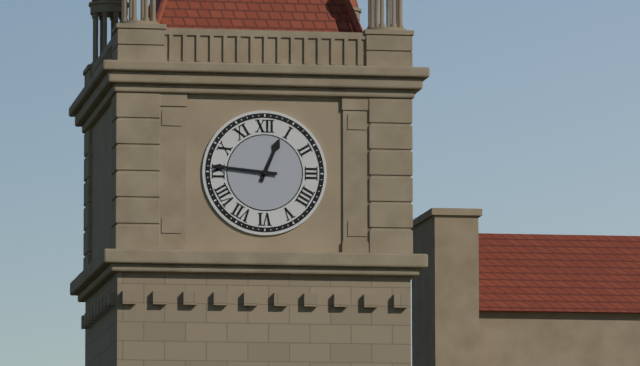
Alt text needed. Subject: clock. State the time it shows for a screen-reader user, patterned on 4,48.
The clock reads 12,46
